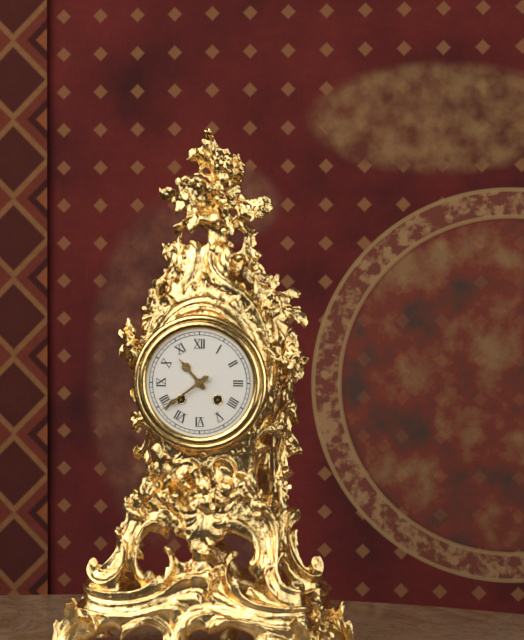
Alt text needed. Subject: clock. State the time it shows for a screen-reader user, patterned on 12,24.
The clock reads 10,39
